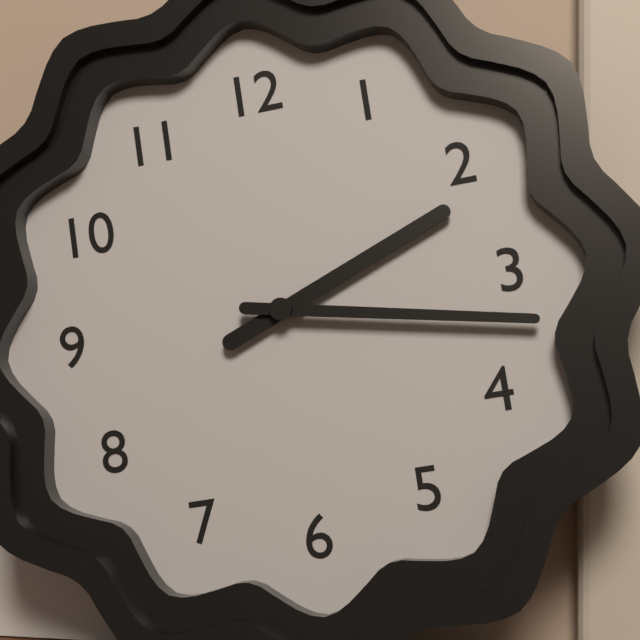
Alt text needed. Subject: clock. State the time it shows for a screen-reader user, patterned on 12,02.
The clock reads 2,17
